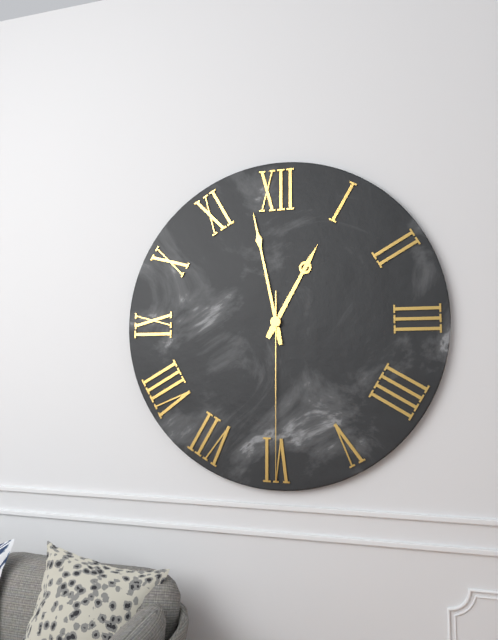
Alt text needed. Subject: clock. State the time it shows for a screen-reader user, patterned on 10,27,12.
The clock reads 12,58,30
